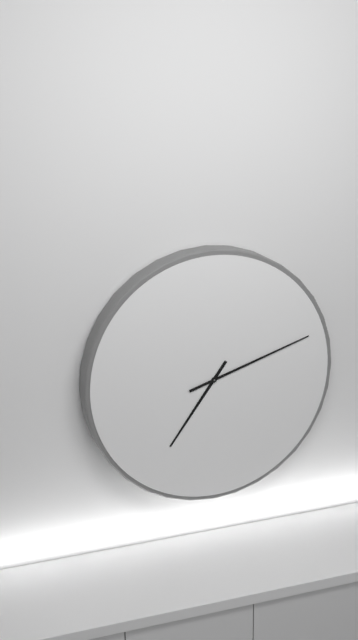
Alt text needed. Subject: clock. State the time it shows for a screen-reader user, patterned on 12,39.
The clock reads 7,12
